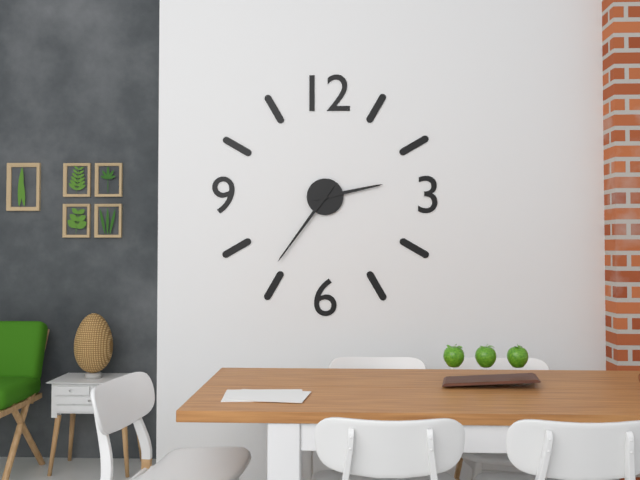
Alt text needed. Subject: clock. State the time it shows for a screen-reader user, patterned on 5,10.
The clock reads 2,36
